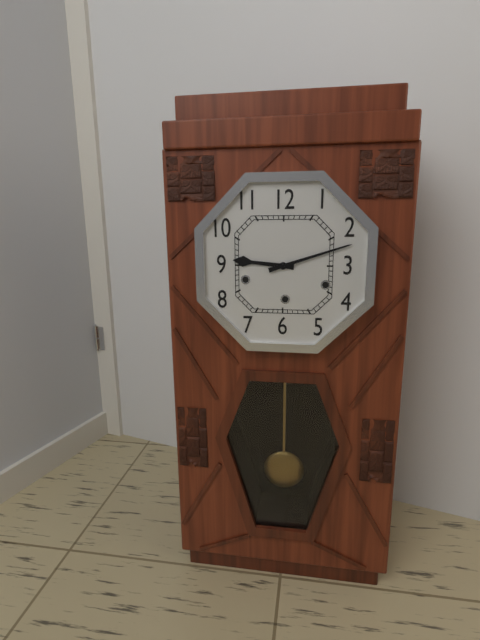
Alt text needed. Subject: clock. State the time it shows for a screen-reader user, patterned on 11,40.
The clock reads 9,12
